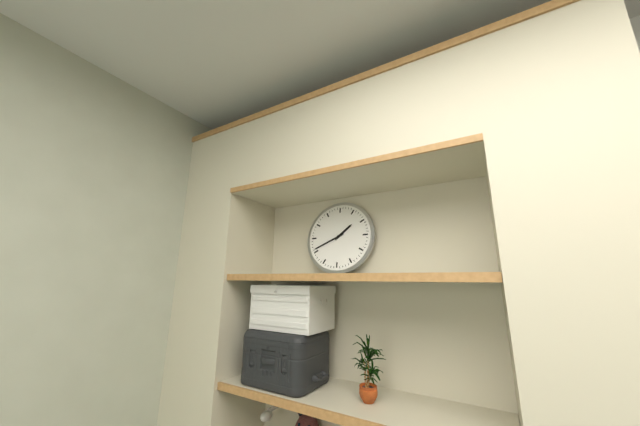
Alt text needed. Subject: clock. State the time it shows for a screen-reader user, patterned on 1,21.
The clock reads 1,41
